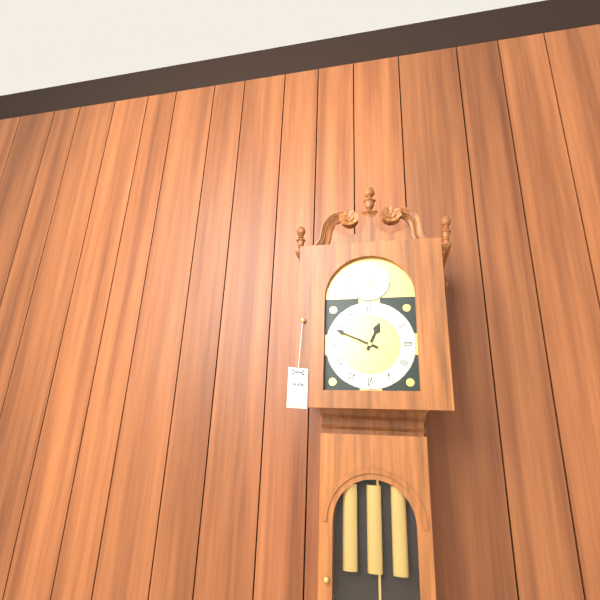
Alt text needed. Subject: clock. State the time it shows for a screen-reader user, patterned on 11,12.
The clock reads 12,49
